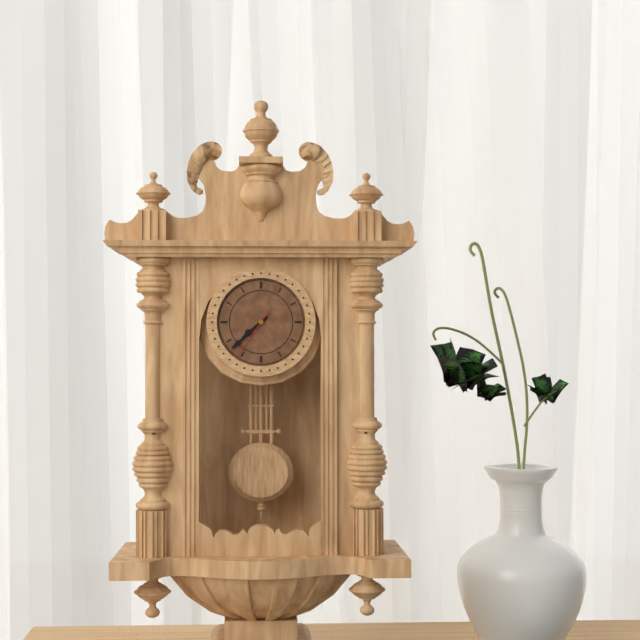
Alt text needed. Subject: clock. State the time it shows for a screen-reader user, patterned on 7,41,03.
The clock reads 7,38,36
